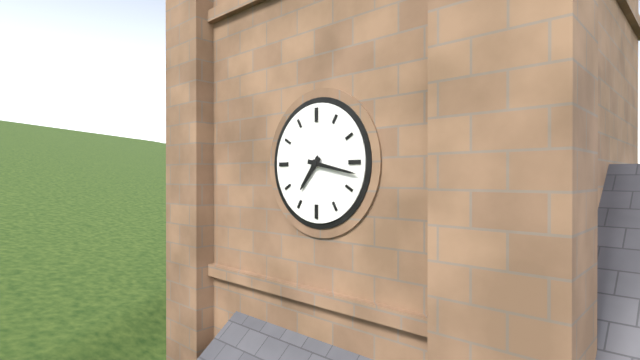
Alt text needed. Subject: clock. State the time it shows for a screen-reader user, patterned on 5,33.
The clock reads 7,17
